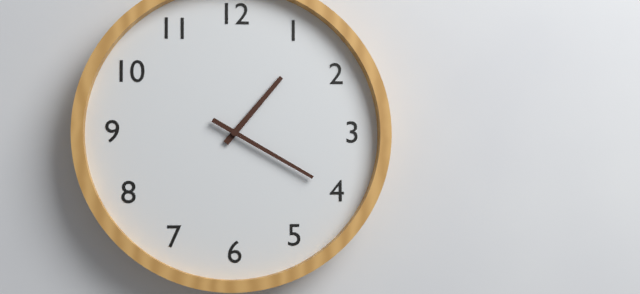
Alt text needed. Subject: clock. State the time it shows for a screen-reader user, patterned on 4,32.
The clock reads 1,20
